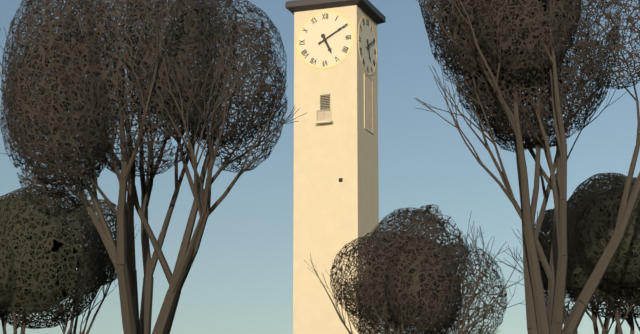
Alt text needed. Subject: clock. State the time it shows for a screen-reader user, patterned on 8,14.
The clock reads 5,10
